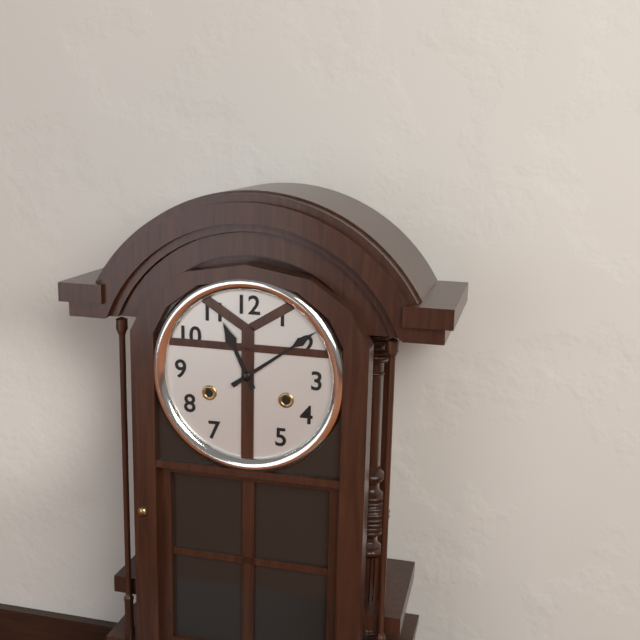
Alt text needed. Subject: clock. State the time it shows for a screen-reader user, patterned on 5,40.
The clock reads 11,09
